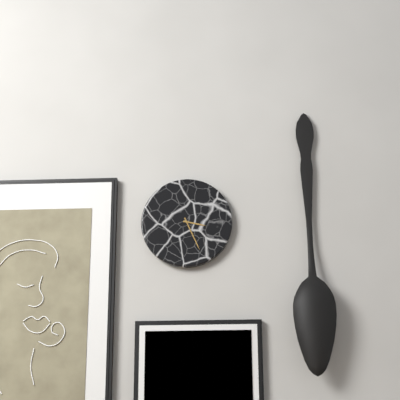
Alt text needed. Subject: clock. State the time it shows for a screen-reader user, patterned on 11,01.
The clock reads 3,26
